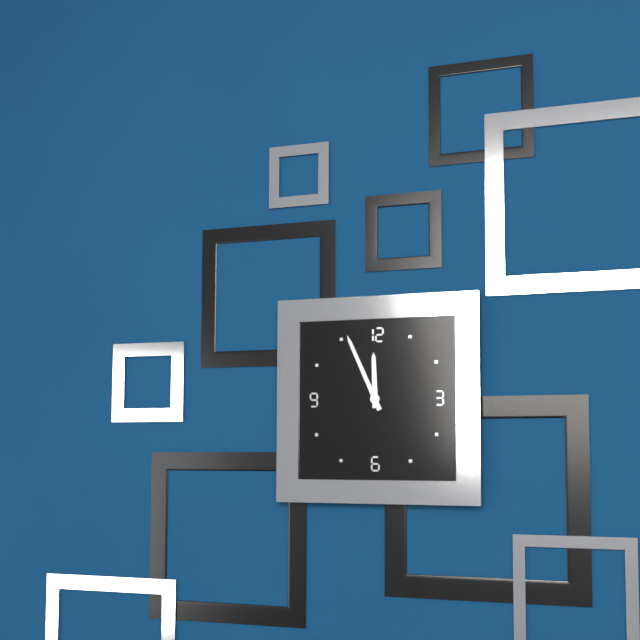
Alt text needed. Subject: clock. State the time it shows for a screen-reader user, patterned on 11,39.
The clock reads 11,56
